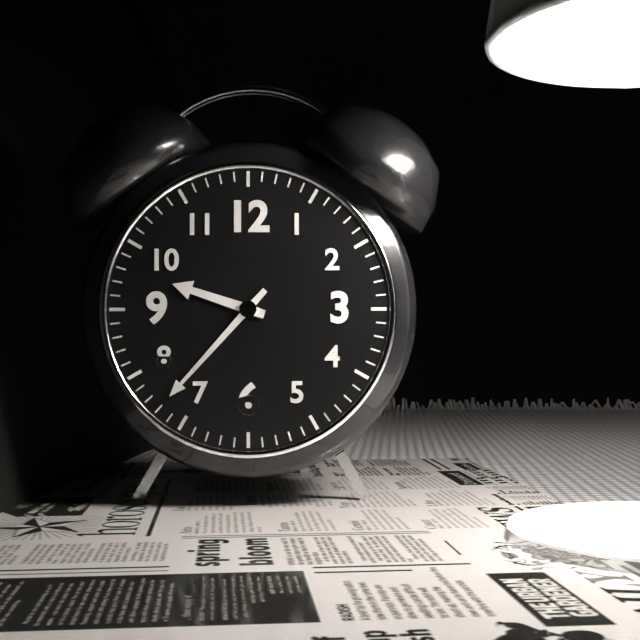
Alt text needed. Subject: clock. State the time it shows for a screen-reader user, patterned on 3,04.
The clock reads 9,37
